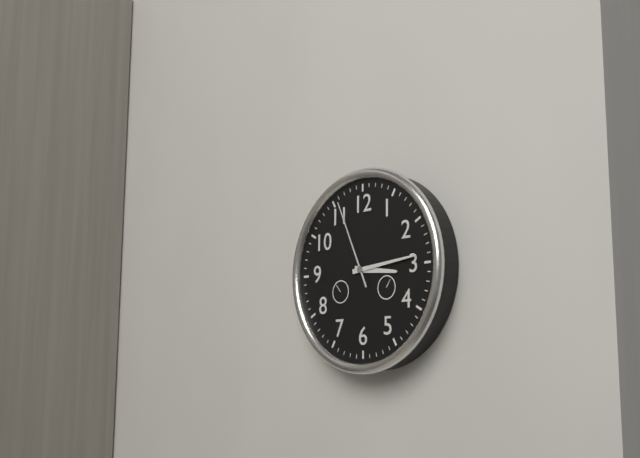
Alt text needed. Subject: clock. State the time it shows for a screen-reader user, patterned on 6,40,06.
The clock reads 3,14,56
